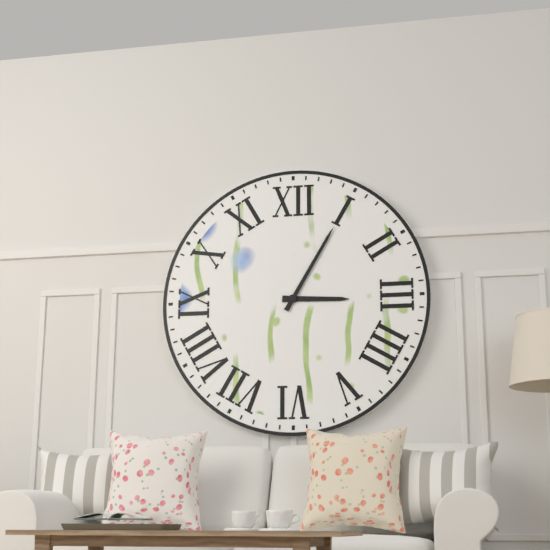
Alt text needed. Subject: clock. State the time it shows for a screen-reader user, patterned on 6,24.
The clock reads 3,05
